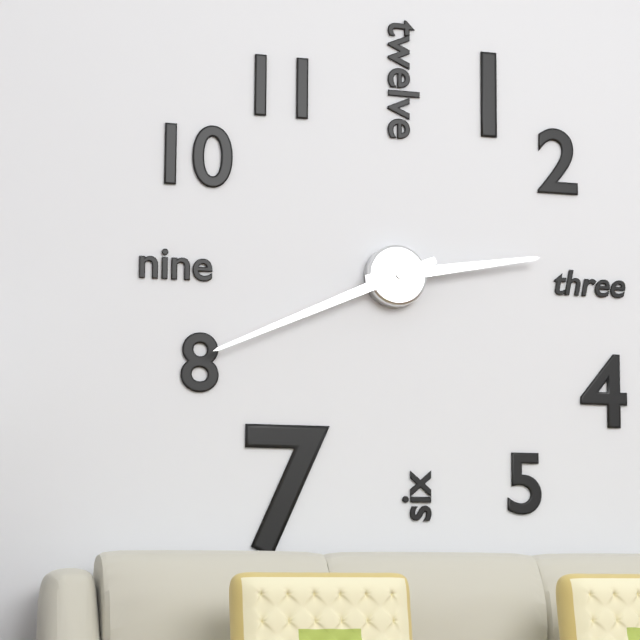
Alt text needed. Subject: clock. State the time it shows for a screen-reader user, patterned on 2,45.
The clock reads 2,41
